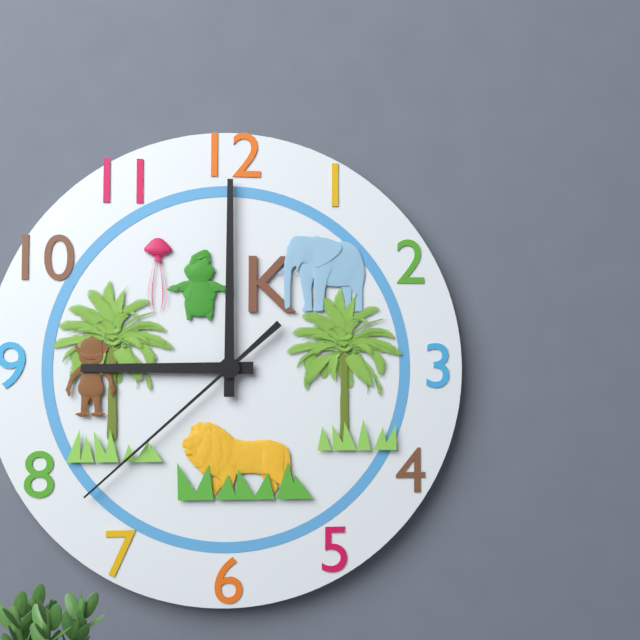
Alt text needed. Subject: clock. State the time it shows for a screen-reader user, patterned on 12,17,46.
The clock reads 9,00,38
